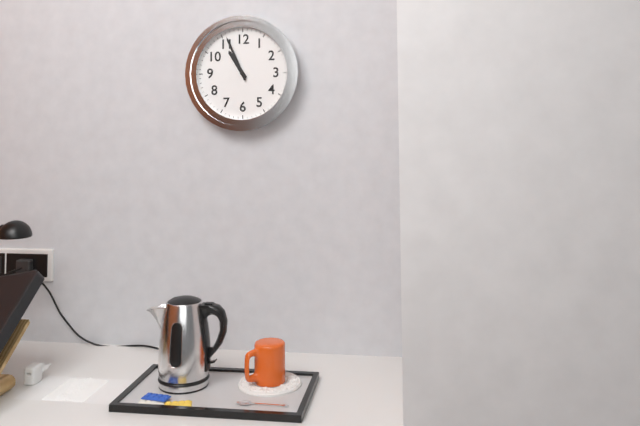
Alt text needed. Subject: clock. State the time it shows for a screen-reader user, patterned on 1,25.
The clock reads 10,56
